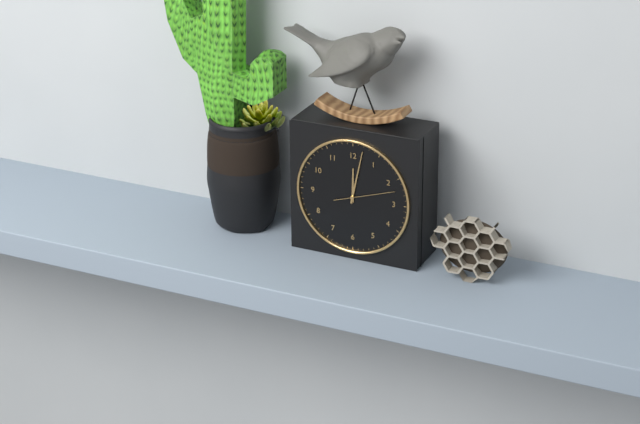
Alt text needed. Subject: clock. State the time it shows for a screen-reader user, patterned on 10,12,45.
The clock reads 12,02,12
